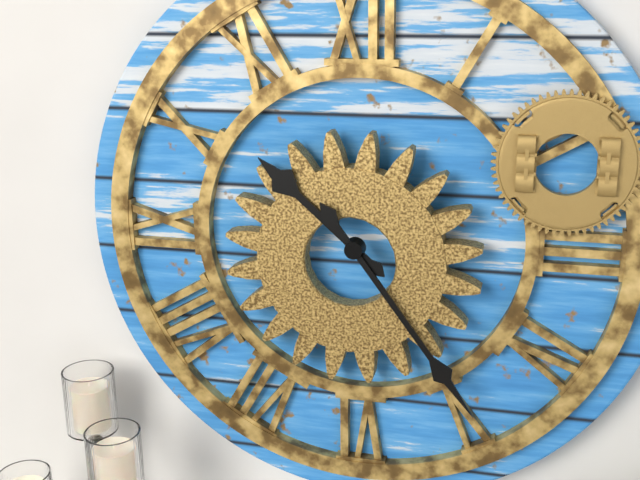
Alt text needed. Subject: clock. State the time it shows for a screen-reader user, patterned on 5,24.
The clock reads 10,24
